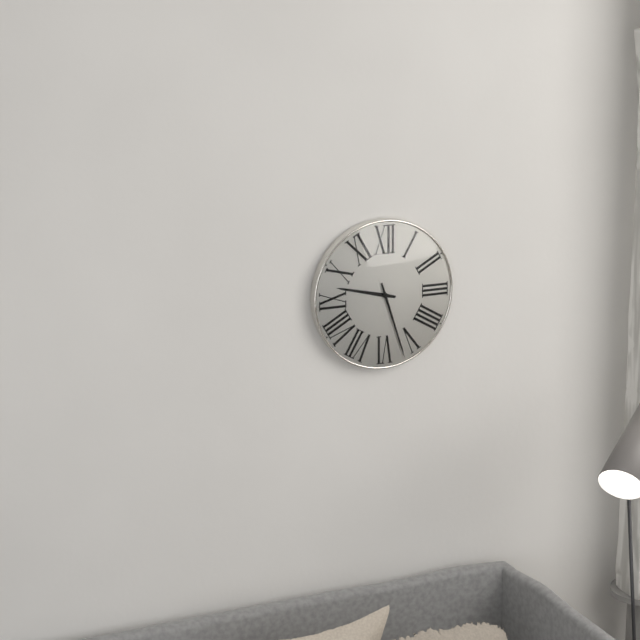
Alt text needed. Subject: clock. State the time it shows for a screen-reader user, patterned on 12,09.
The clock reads 9,27
